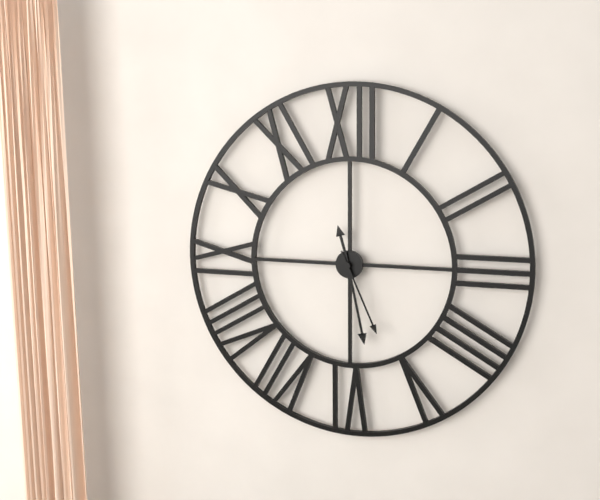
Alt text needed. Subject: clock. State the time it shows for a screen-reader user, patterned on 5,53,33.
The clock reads 11,28,26
